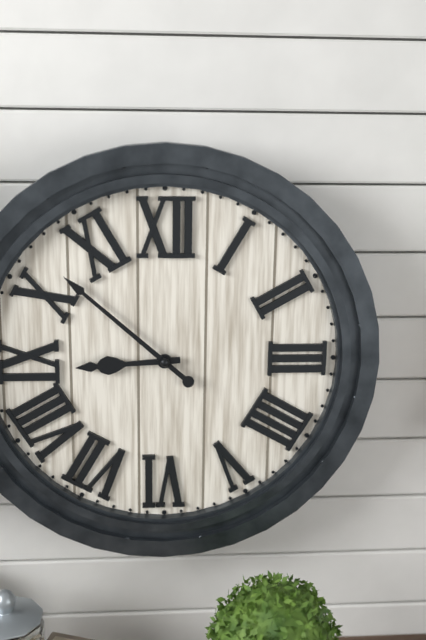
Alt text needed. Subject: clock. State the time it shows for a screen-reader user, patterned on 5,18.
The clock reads 8,52
